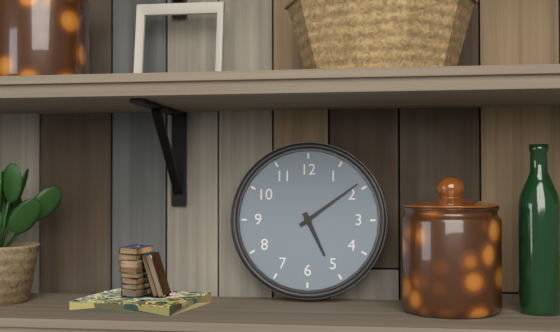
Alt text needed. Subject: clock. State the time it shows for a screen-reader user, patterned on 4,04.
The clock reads 5,09
